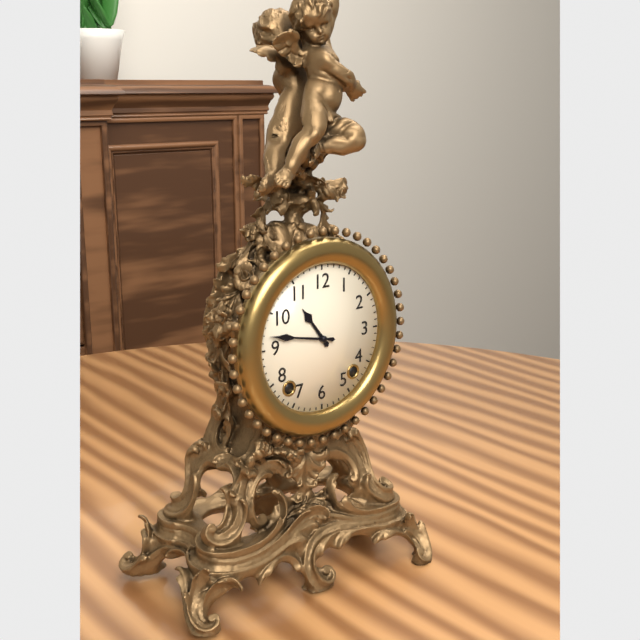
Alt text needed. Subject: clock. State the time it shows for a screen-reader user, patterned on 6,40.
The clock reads 10,47
